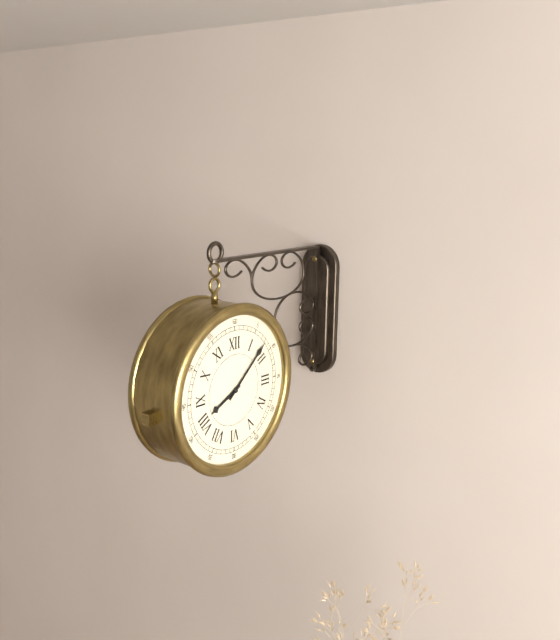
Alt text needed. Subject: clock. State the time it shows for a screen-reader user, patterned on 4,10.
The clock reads 8,08
